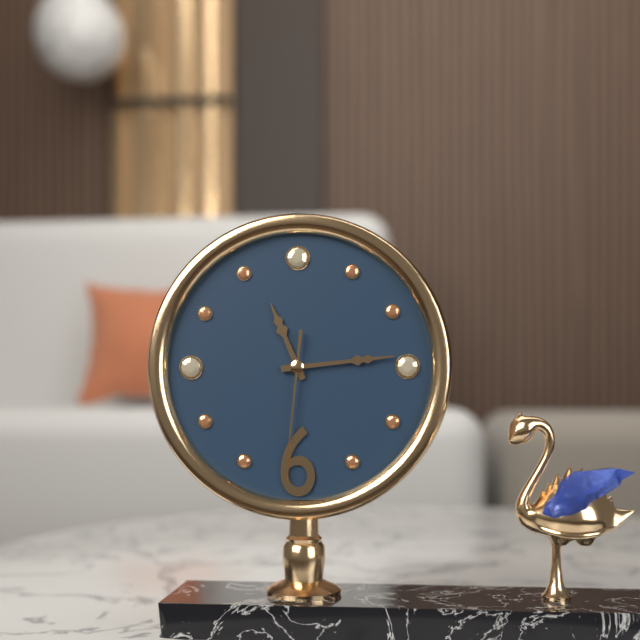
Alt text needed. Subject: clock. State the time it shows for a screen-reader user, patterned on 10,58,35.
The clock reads 11,14,31
